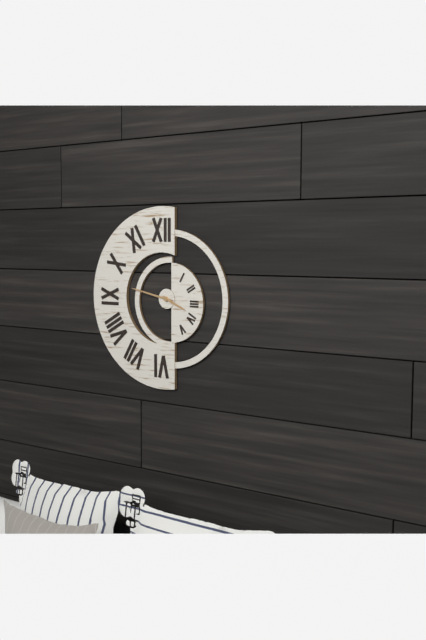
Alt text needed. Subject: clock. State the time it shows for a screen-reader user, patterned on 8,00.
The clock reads 3,47
